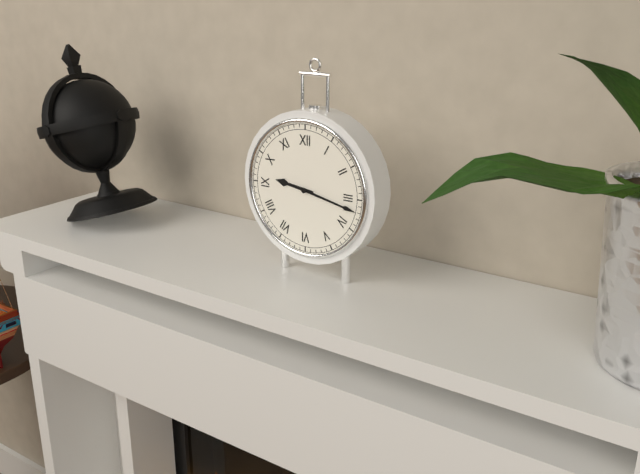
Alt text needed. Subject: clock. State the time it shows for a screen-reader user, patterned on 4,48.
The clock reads 9,17
